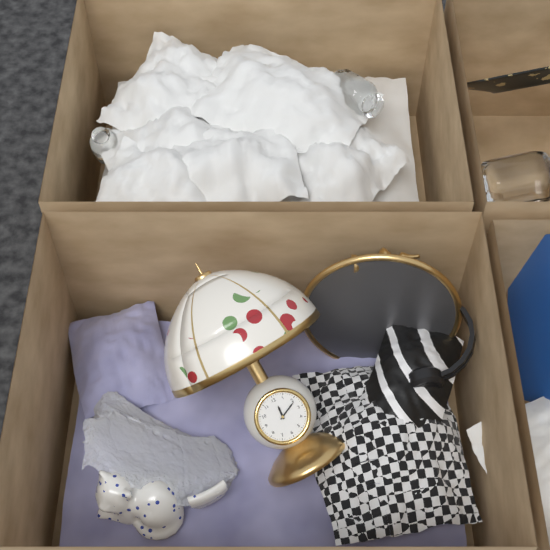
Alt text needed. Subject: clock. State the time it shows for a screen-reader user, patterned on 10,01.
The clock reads 12,11
